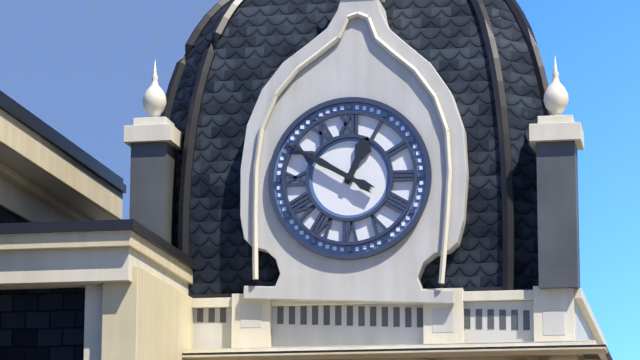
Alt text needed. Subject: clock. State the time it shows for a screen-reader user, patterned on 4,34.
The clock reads 12,50
